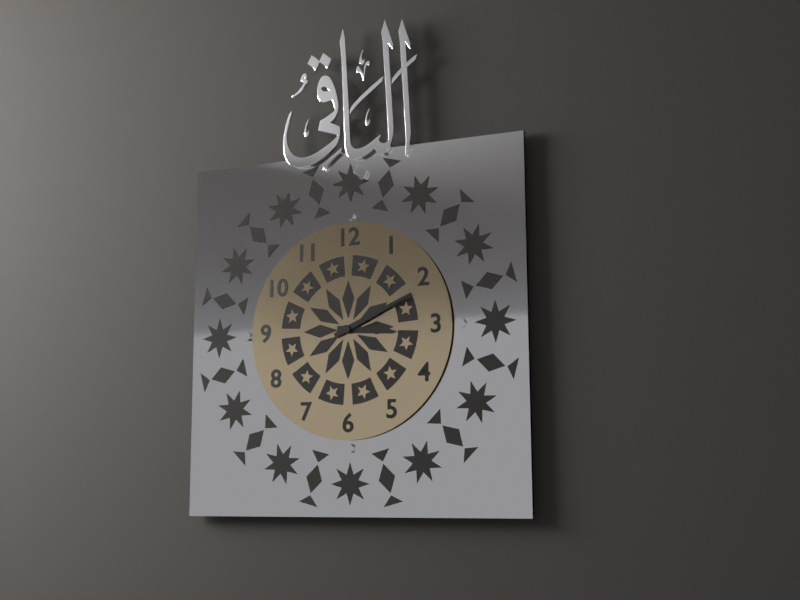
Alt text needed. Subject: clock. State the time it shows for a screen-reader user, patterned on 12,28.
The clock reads 3,11
